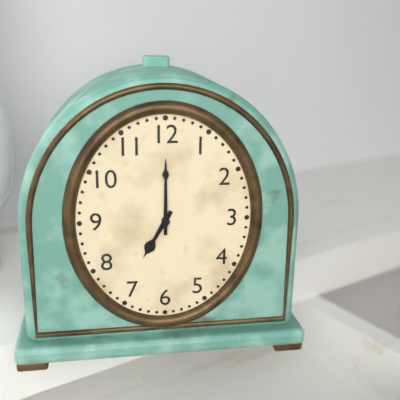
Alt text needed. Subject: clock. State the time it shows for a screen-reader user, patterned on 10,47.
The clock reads 7,00
